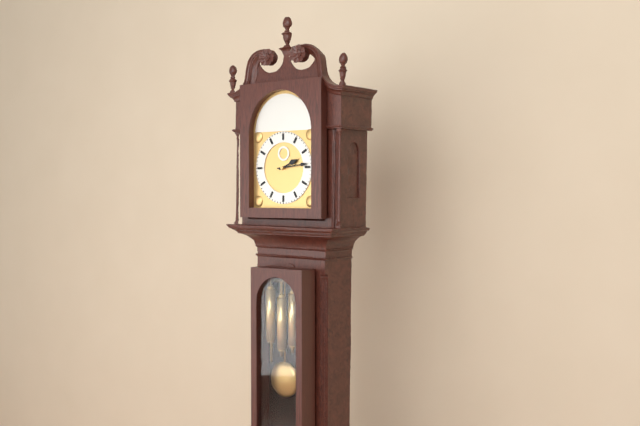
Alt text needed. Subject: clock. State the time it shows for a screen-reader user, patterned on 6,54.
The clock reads 2,14
